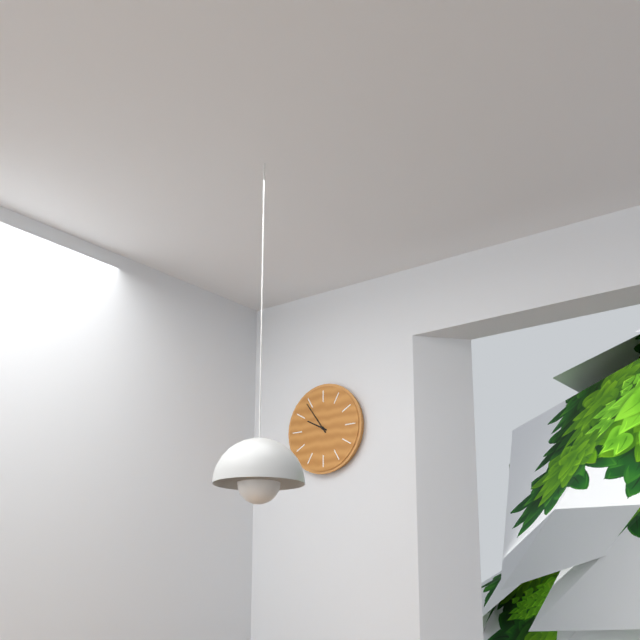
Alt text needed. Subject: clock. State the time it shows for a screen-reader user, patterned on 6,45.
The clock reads 9,54
